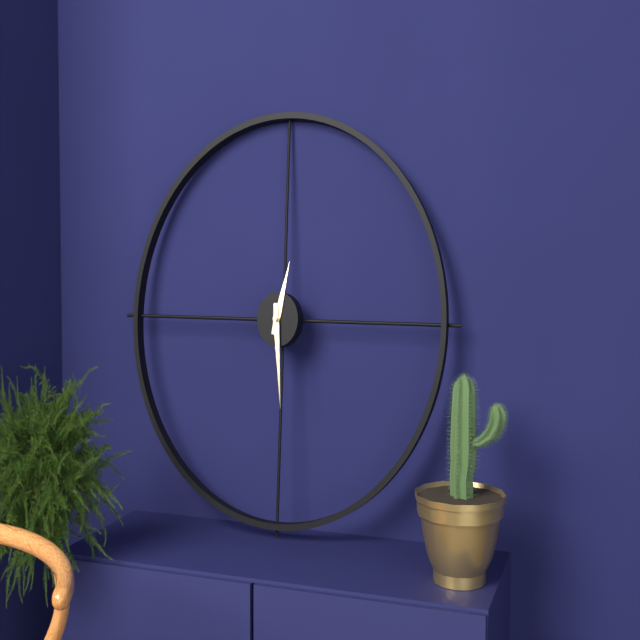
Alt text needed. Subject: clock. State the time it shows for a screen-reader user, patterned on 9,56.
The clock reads 12,29
